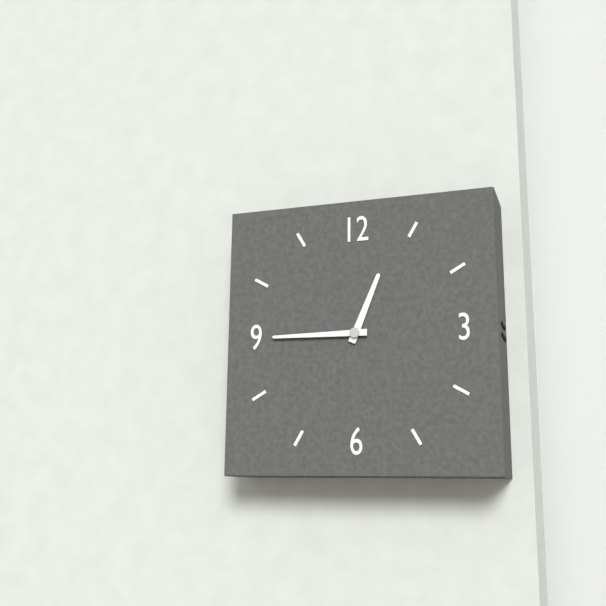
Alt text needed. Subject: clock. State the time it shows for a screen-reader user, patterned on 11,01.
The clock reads 12,45
